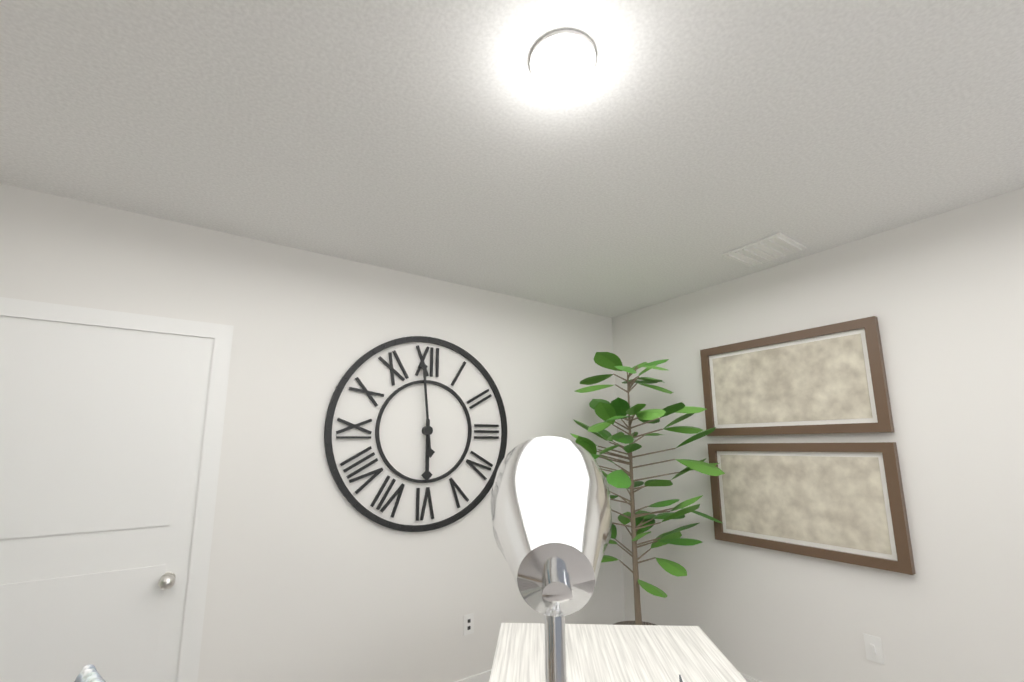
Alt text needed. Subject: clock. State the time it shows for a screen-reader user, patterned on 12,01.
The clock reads 5,59
